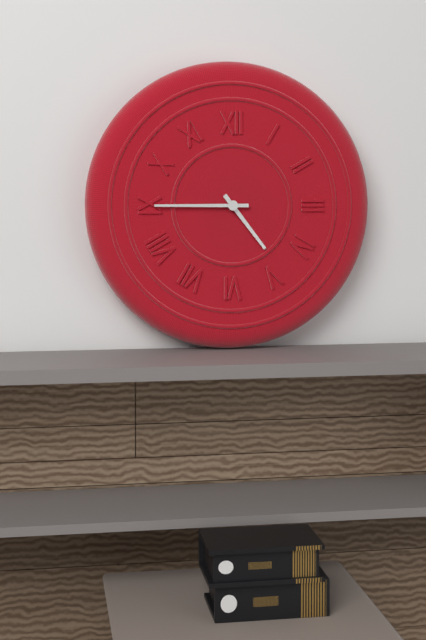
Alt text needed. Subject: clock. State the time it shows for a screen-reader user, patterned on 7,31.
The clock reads 4,45
